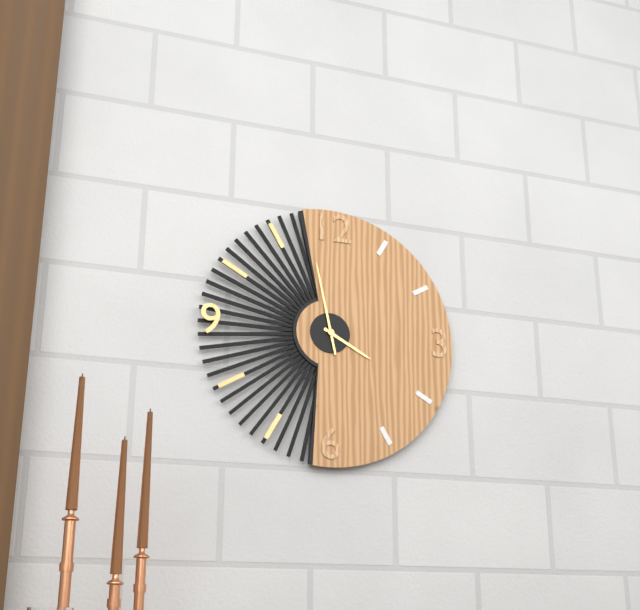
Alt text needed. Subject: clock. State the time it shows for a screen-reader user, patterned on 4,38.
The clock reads 3,58
